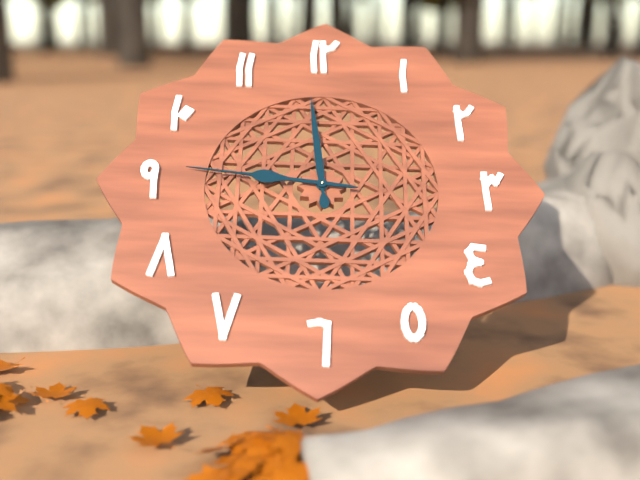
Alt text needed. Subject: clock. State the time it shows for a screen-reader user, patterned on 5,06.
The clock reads 11,46
